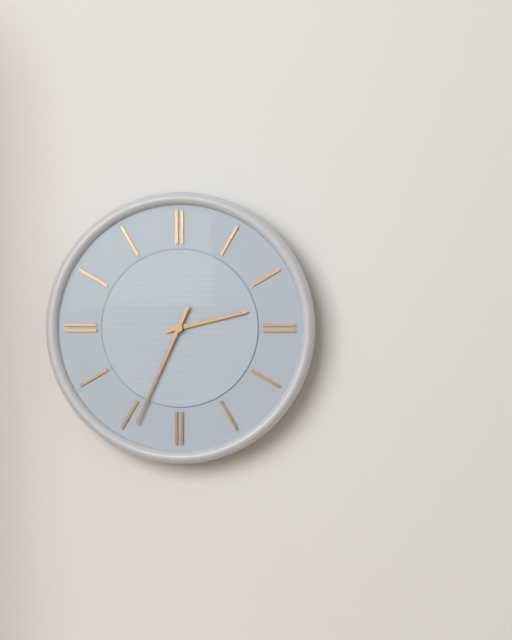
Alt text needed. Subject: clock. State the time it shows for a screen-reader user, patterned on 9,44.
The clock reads 2,34
